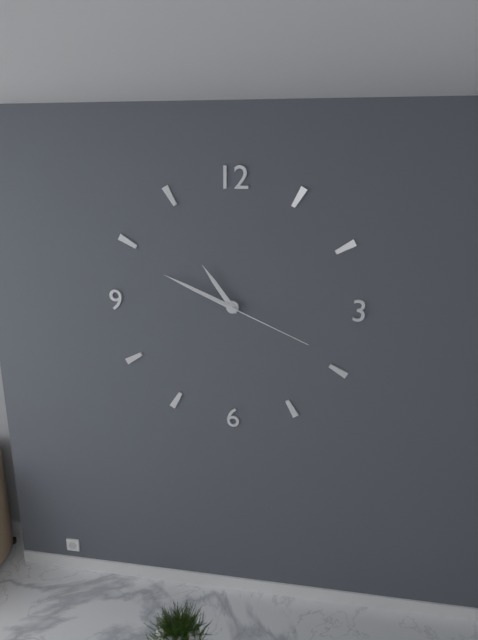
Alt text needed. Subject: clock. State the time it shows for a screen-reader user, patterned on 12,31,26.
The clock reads 10,49,19
